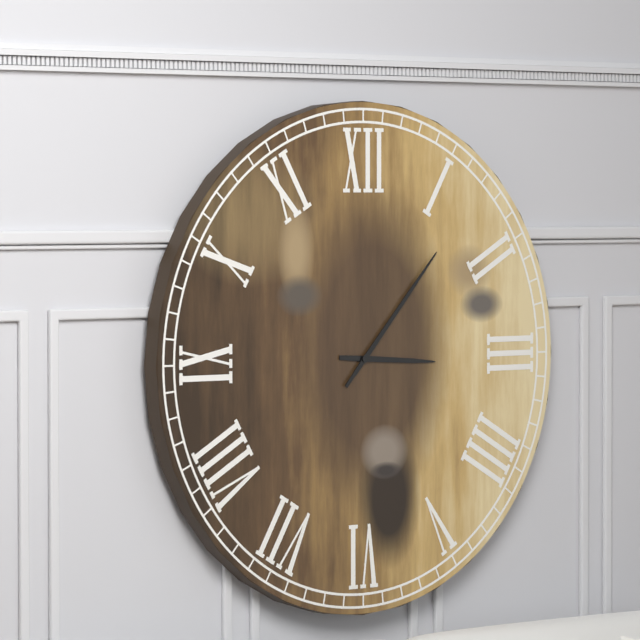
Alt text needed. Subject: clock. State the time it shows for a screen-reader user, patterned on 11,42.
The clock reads 3,07
